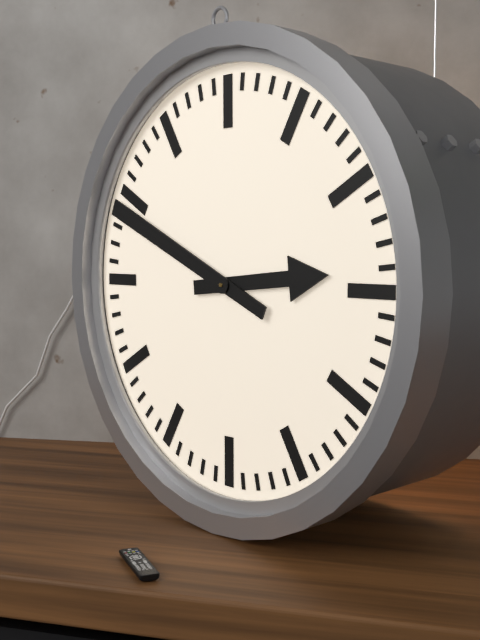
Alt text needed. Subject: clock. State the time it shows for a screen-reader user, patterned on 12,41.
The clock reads 2,49
